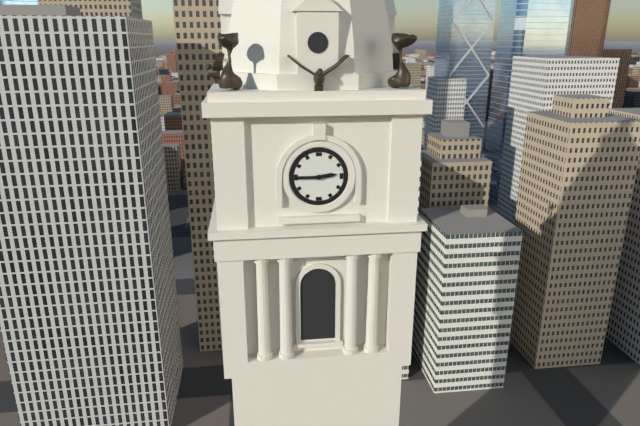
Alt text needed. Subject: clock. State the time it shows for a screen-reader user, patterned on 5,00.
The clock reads 2,45
